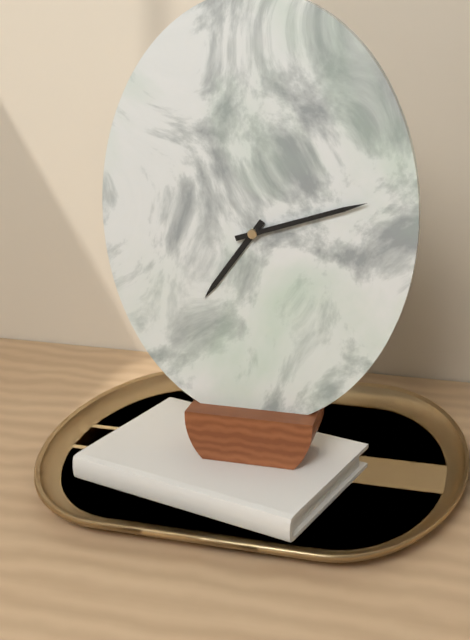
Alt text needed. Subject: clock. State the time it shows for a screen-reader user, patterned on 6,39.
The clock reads 7,12
